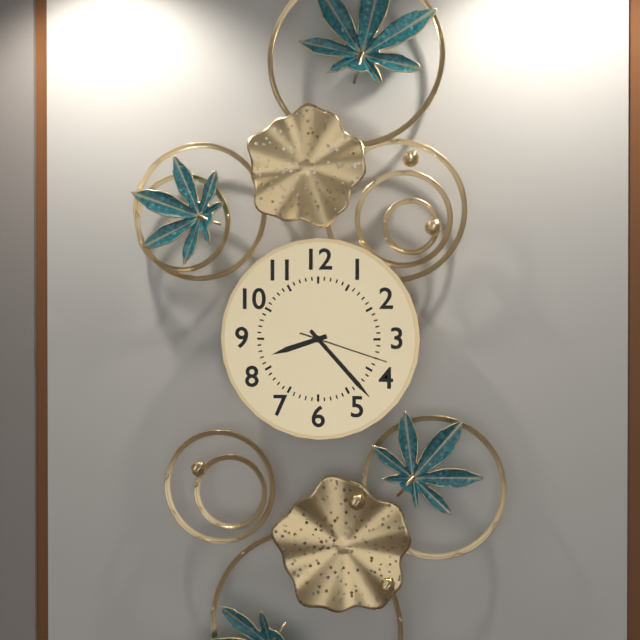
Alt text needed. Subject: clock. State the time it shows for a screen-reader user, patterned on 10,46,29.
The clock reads 8,23,18
